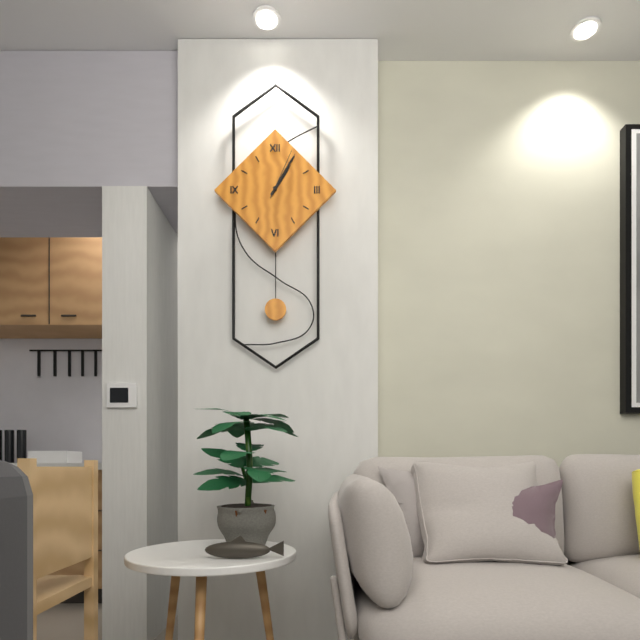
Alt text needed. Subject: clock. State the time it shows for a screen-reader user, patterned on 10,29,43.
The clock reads 1,05,04
